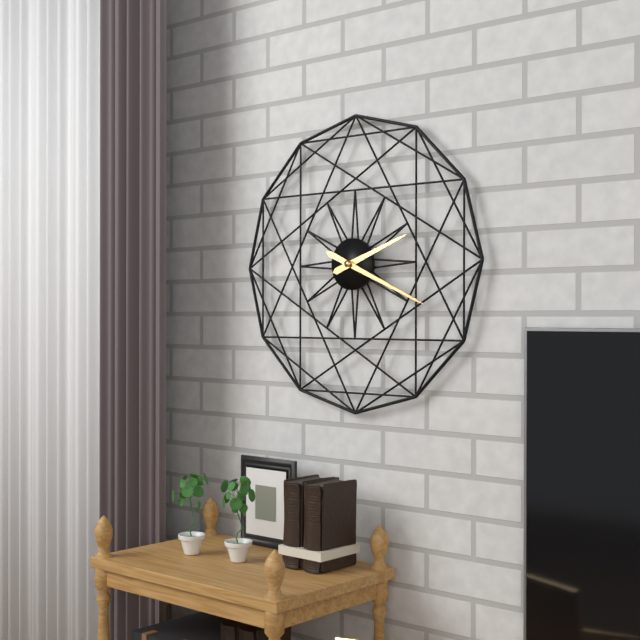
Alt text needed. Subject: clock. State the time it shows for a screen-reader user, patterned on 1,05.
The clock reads 2,19
